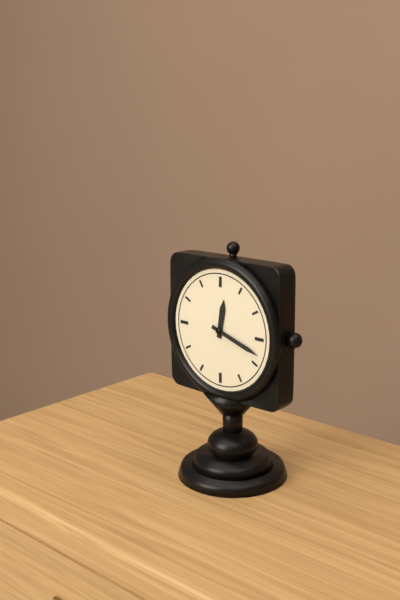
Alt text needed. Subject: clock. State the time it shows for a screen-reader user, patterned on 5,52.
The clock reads 12,18
